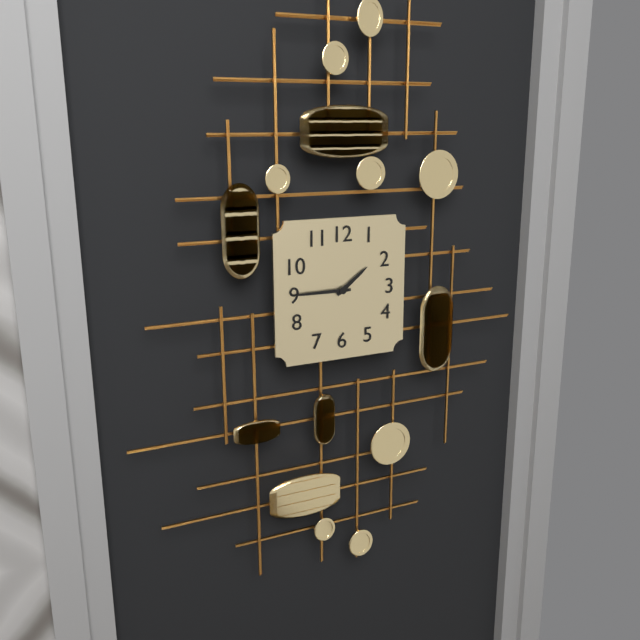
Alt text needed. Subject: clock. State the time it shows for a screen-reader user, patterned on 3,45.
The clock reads 1,45
